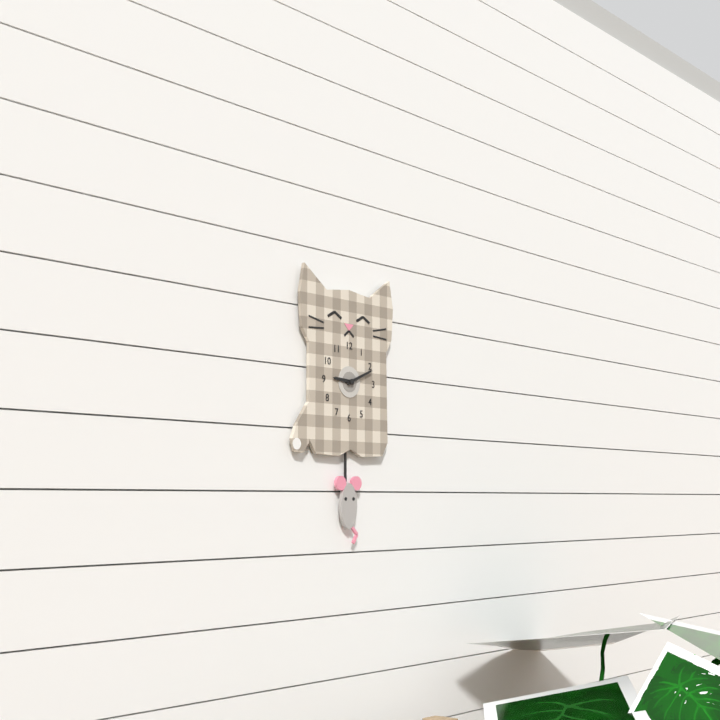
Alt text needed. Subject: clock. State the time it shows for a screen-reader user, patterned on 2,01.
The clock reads 9,11
